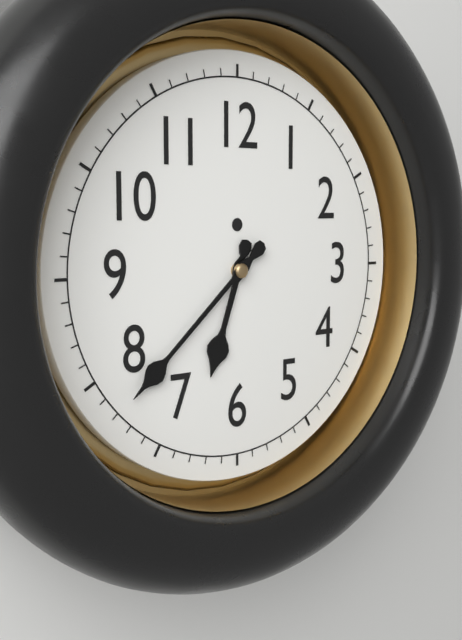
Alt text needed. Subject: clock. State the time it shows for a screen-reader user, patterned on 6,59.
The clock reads 6,38
